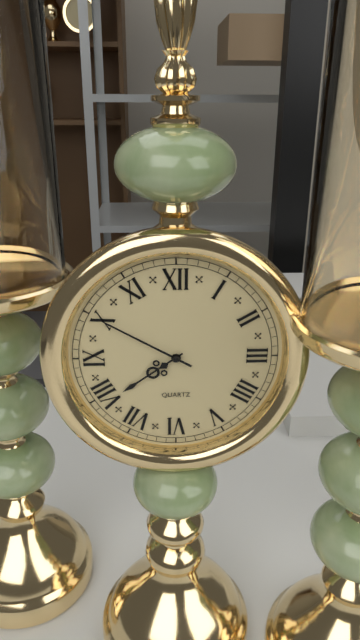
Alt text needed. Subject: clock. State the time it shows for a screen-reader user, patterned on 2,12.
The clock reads 7,50
